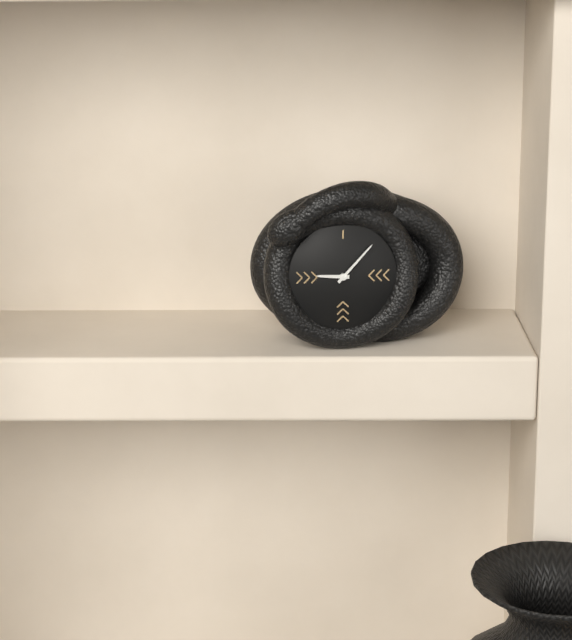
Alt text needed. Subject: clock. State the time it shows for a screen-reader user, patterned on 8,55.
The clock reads 9,07
